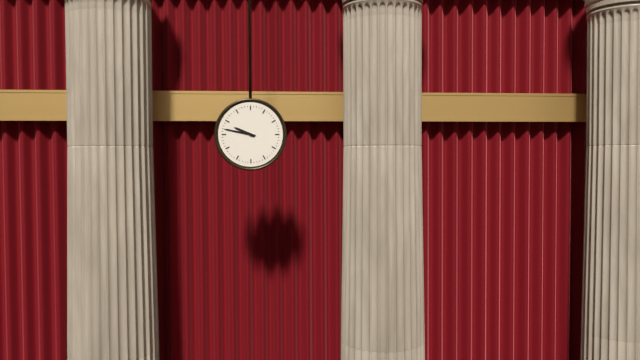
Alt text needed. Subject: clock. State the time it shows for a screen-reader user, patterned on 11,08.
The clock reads 9,47
